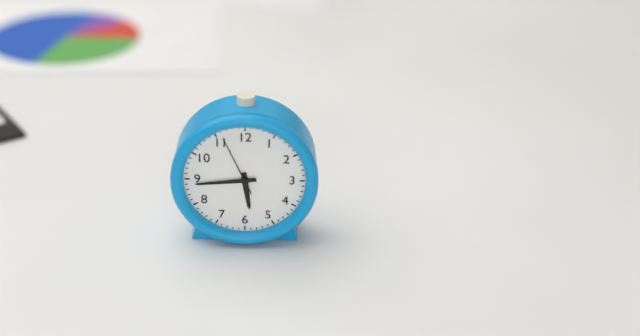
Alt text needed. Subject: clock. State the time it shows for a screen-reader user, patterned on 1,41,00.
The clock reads 5,44,56
